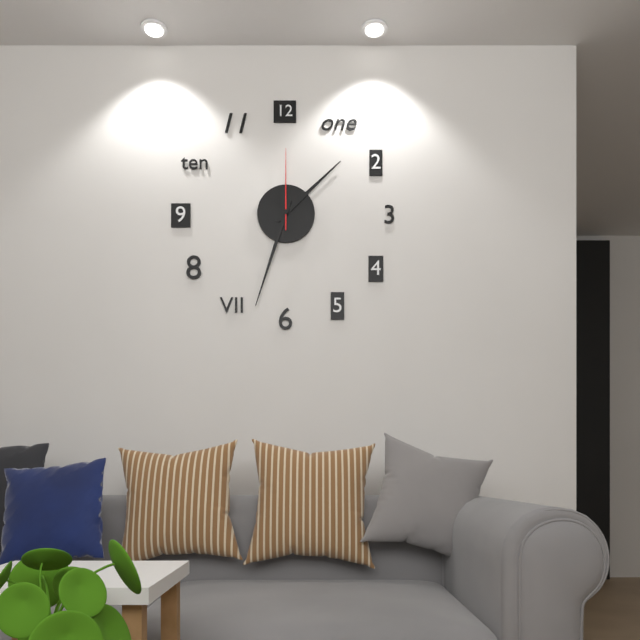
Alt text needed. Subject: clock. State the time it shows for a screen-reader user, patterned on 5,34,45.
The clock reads 1,33,00
